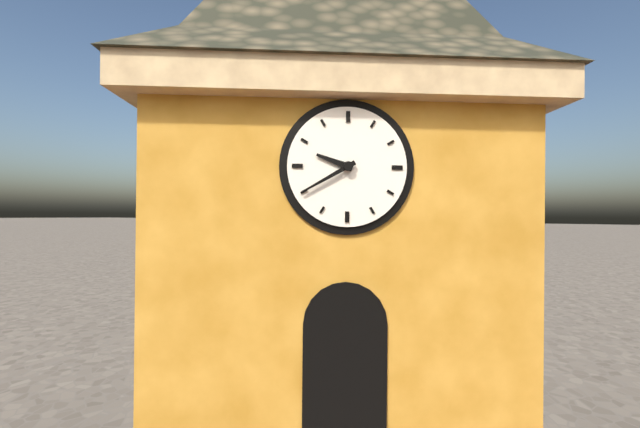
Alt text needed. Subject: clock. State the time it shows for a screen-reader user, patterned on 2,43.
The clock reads 9,40
